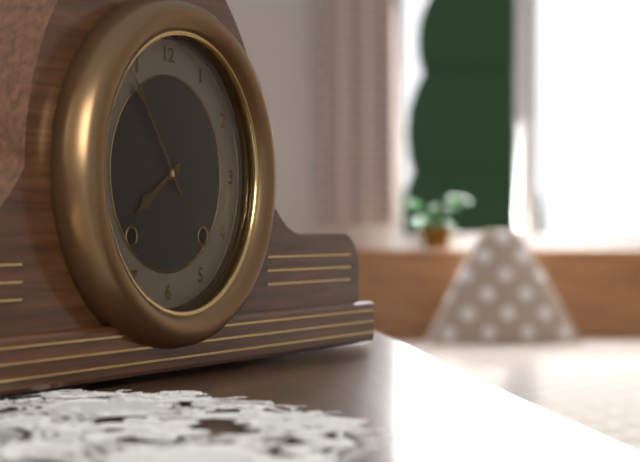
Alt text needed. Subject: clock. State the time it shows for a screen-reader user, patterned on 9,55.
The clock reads 7,54
